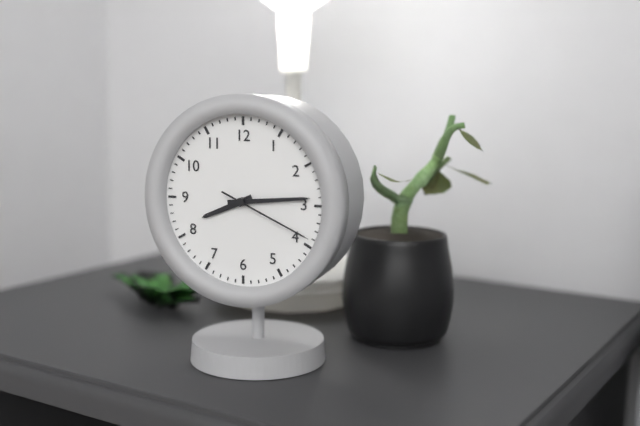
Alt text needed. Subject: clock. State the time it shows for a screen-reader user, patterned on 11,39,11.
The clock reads 8,14,19
